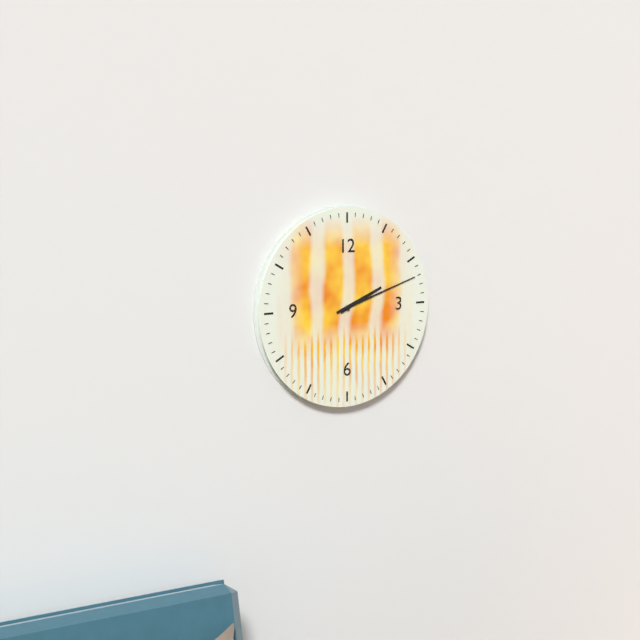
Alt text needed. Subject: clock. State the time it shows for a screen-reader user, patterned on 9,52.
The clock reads 2,12
